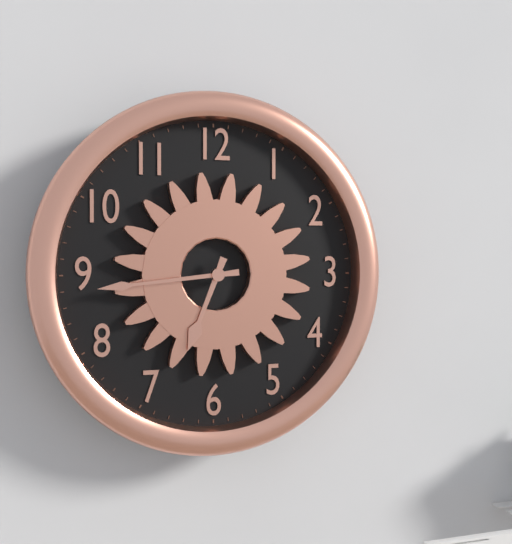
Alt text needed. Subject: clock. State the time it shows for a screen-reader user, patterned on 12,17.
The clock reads 6,44
